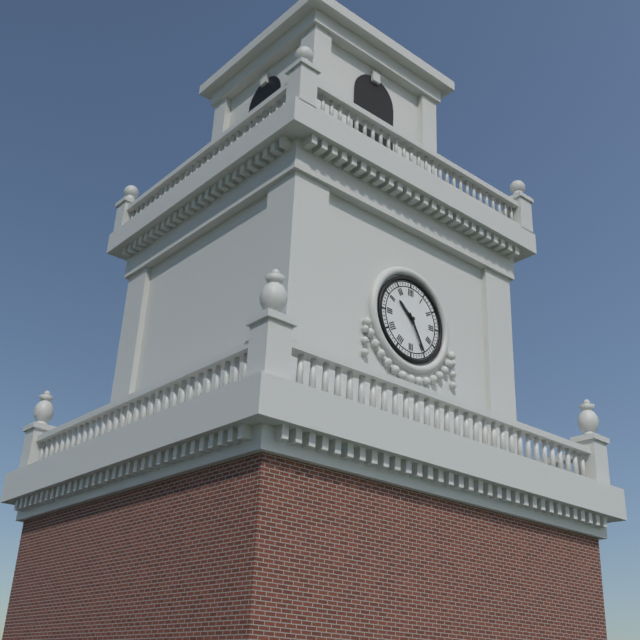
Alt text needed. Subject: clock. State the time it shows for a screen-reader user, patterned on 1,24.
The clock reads 10,25
